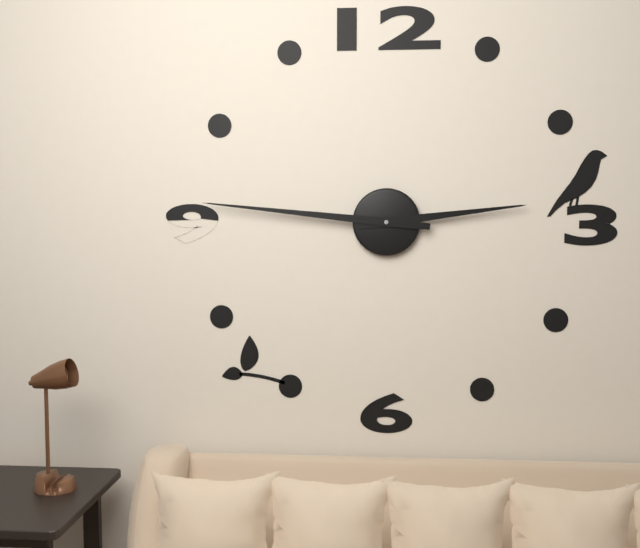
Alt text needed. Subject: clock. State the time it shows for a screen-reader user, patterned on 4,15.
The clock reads 2,46
